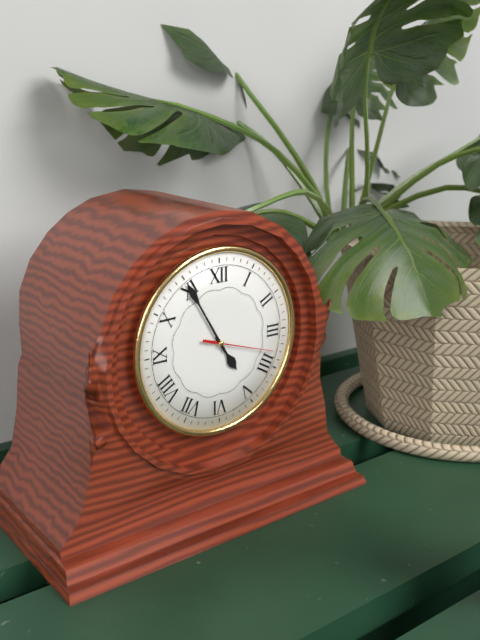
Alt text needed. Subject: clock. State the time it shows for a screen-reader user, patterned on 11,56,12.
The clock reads 4,55,18
